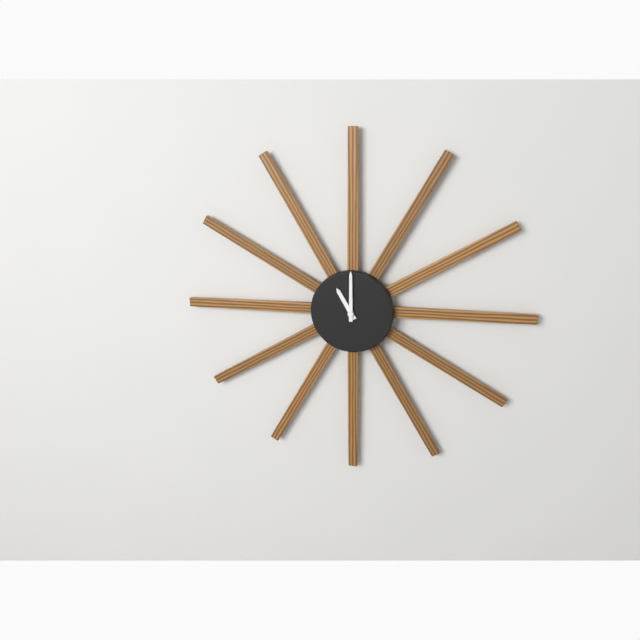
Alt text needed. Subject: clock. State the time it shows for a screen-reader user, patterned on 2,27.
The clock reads 11,00
